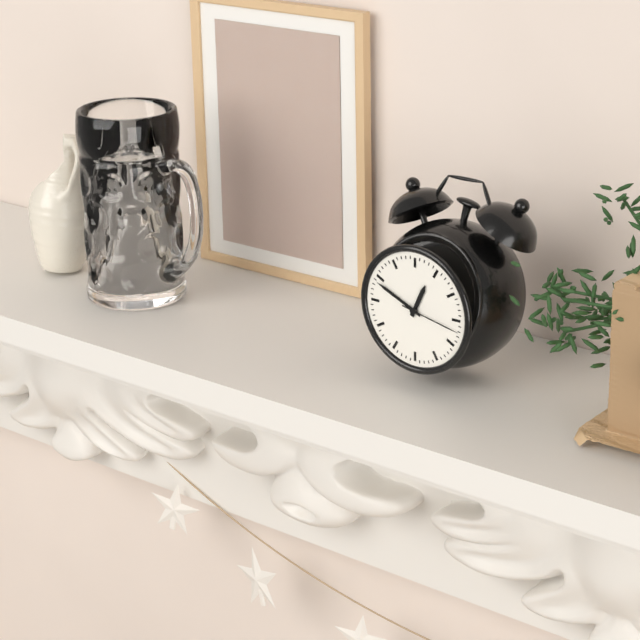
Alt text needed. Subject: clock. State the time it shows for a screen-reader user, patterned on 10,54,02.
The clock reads 12,49,17
